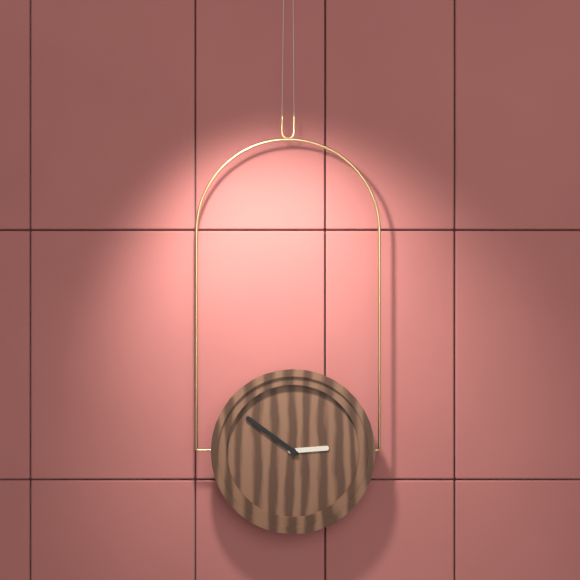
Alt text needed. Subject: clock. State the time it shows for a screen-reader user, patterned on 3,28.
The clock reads 2,51
